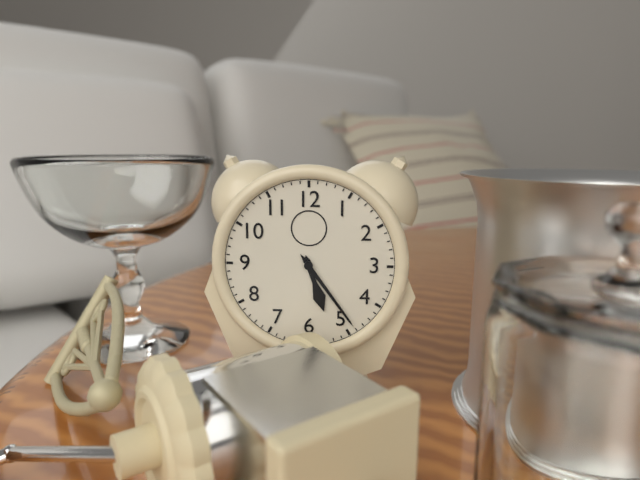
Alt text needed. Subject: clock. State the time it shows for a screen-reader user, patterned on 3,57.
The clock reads 5,24
